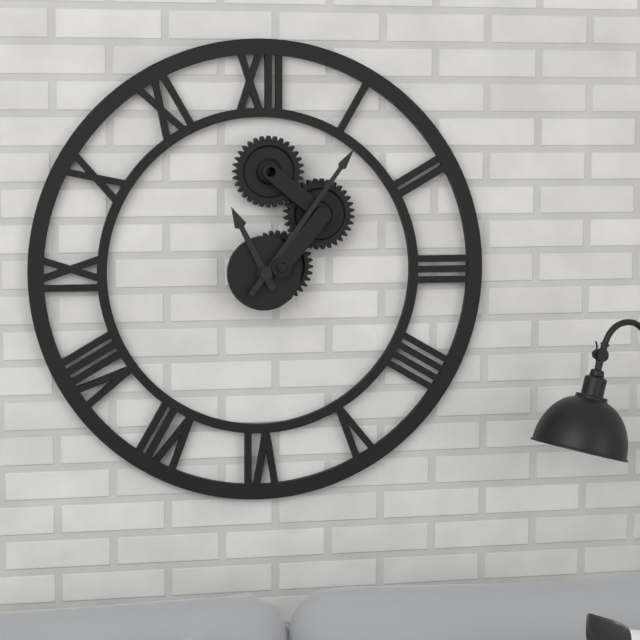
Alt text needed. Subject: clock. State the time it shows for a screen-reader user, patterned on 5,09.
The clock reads 11,06
